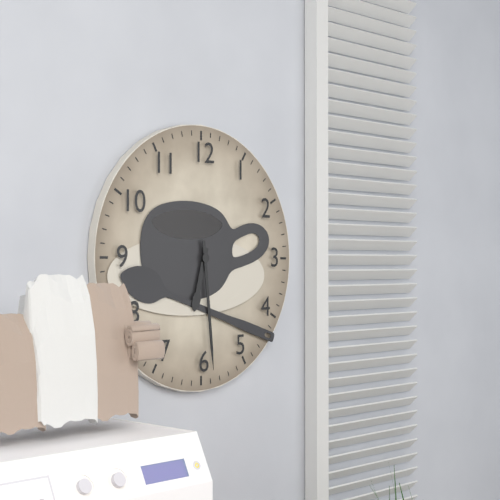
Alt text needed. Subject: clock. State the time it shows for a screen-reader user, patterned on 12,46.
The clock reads 6,29
